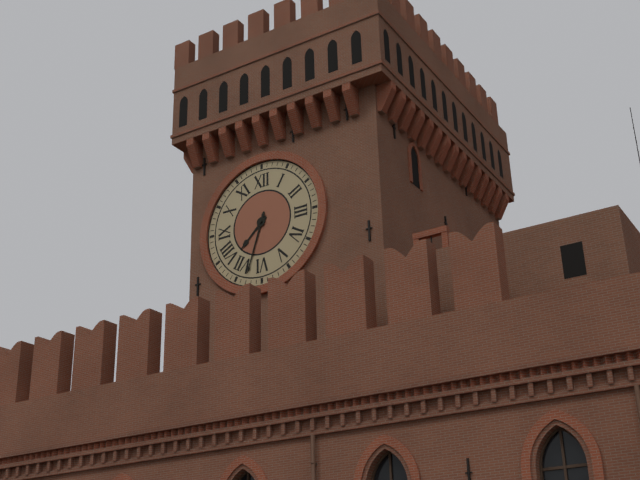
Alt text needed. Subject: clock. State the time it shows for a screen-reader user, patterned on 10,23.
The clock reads 7,33
